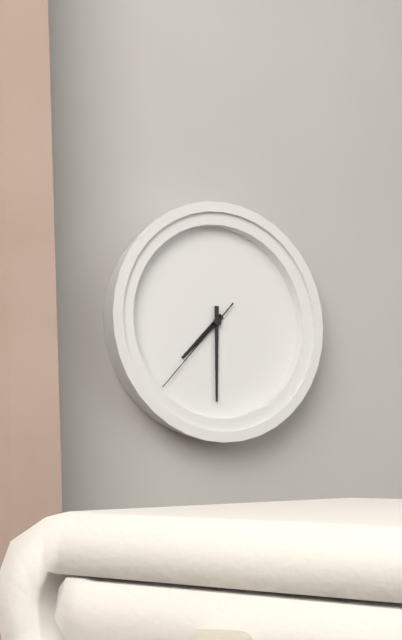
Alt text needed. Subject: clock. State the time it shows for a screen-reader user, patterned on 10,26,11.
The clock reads 7,30,37
